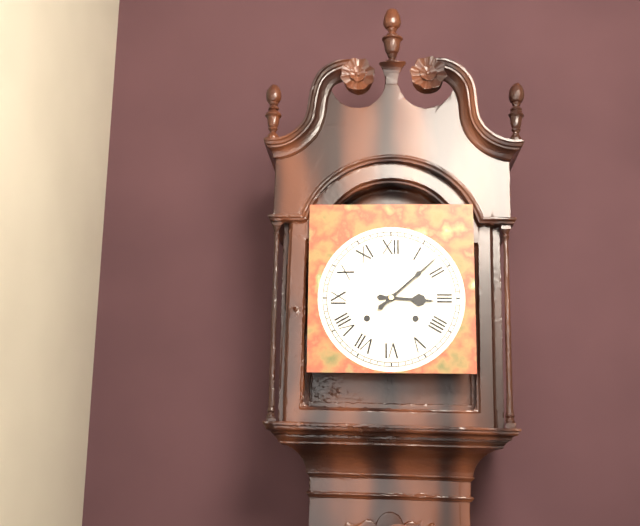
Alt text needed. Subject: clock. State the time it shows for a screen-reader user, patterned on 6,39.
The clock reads 3,08
